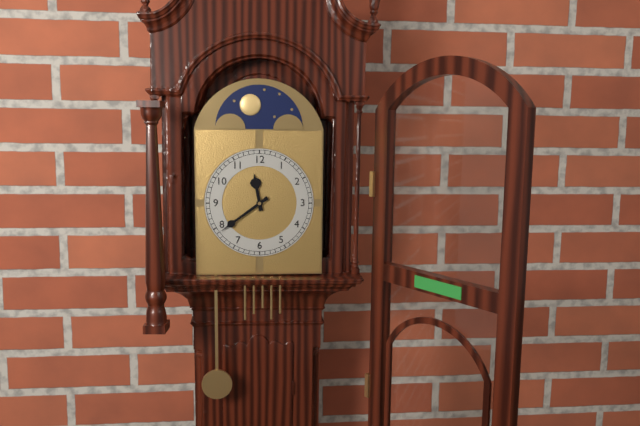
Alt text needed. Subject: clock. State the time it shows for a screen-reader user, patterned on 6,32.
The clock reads 11,39
